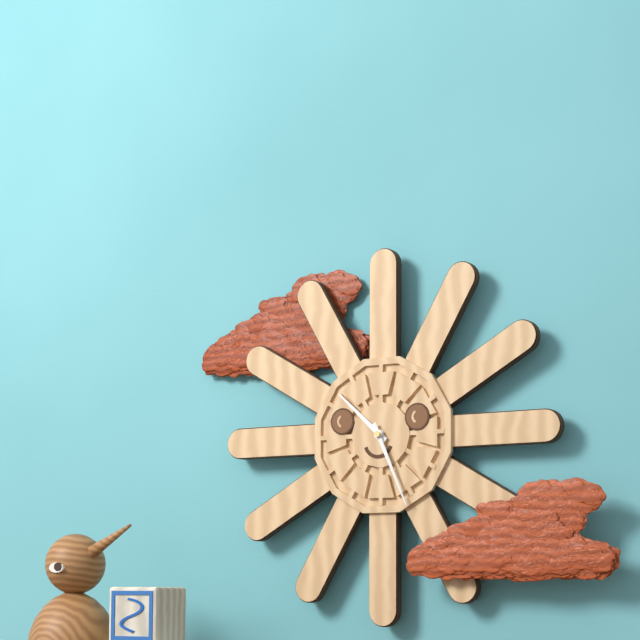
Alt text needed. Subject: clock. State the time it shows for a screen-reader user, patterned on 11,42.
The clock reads 10,26
